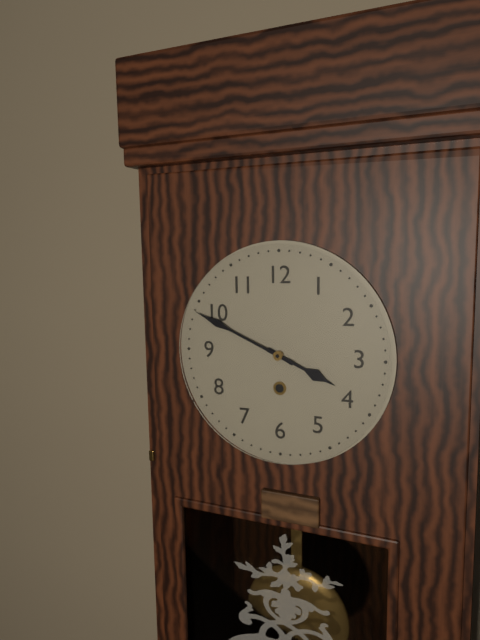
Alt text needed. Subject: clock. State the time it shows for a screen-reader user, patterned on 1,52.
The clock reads 3,49
